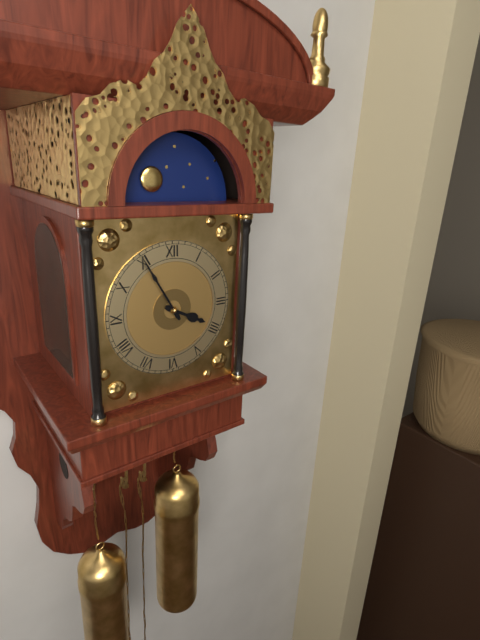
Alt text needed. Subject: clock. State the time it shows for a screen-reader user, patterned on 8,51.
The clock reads 3,55
